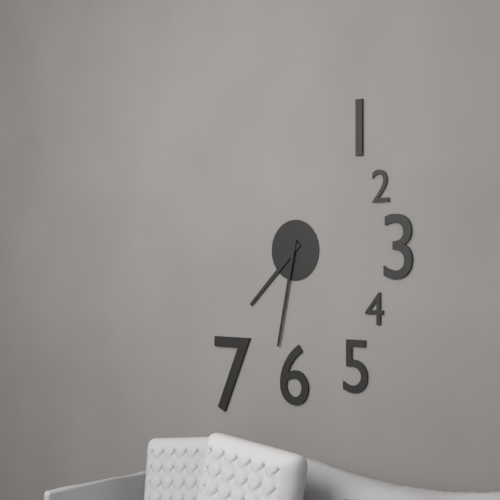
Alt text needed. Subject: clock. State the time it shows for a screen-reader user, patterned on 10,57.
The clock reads 7,32
